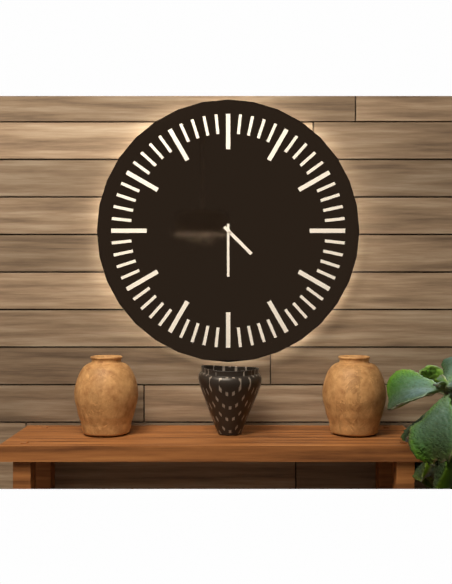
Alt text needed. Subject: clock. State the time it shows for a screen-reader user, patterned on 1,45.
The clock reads 4,30
